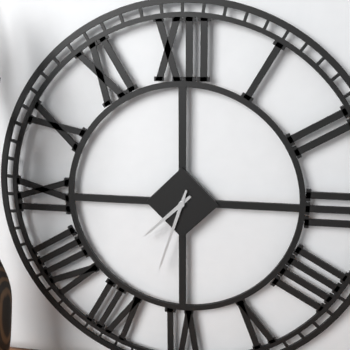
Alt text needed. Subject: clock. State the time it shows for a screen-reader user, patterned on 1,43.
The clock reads 7,33
